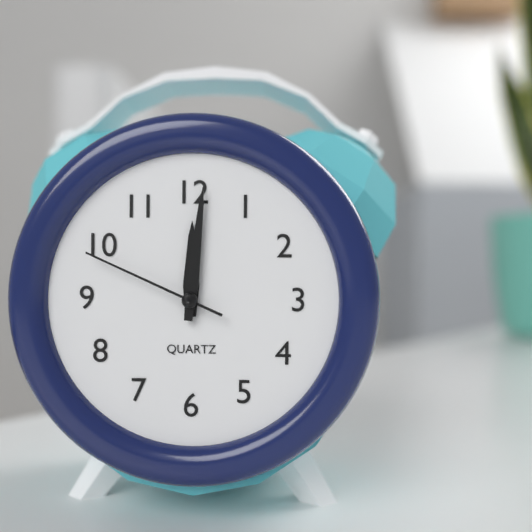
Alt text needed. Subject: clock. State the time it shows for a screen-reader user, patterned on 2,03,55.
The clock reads 12,01,49
